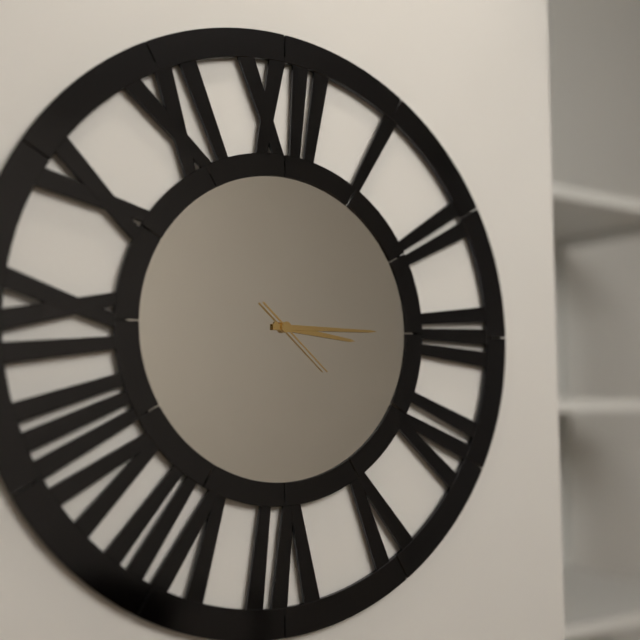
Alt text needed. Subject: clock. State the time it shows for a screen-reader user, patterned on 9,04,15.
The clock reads 3,15,22
